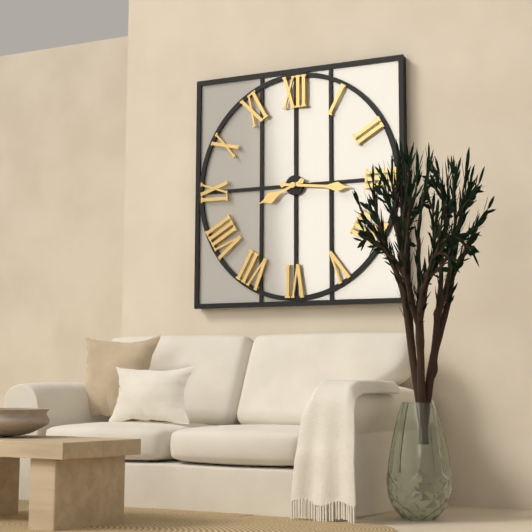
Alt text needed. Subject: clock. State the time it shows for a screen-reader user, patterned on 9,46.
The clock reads 8,16
